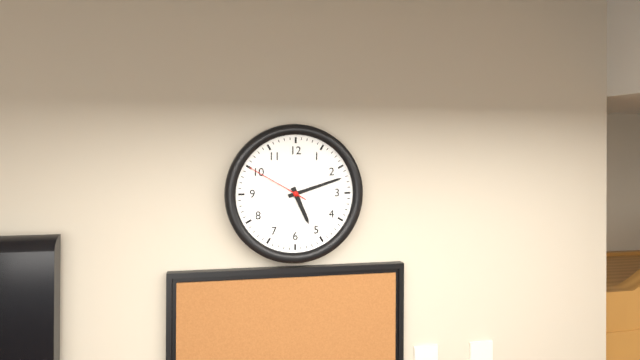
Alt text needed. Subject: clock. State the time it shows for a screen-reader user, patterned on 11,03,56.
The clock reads 5,12,50
